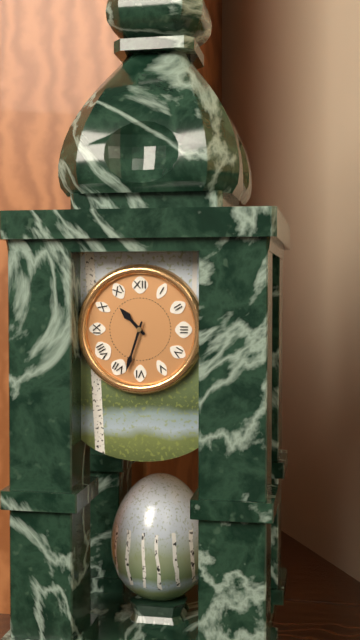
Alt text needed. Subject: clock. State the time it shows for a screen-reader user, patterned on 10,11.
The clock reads 10,33
